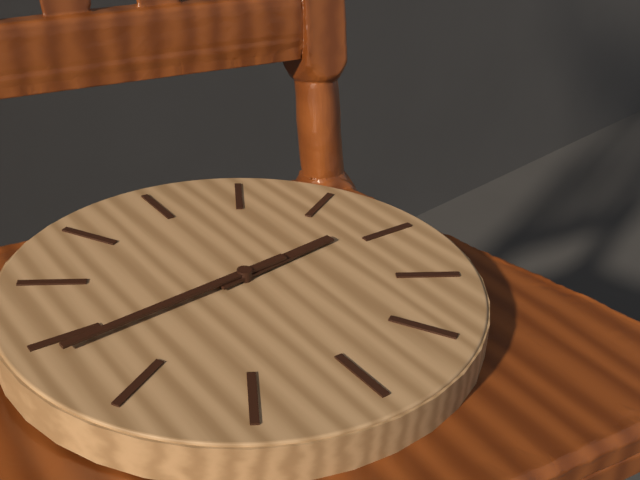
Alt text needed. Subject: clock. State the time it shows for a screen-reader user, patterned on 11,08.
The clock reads 2,44
